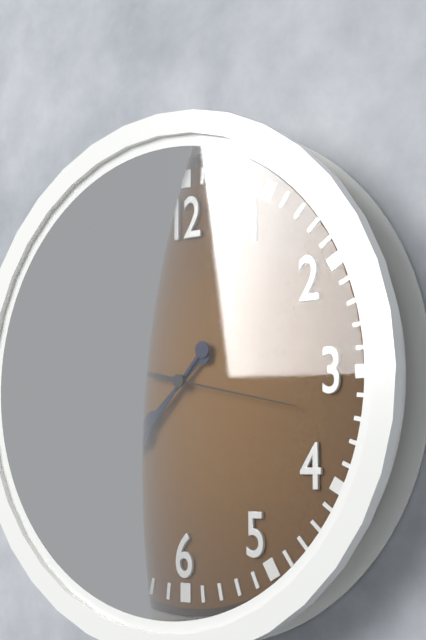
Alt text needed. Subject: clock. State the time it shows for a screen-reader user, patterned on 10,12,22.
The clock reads 7,37,17
